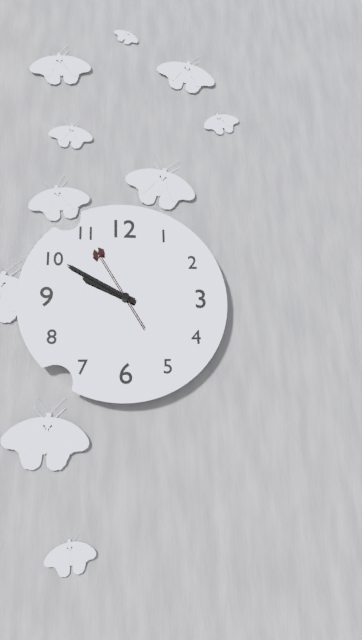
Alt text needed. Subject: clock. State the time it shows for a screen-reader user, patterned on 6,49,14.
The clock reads 9,50,55
